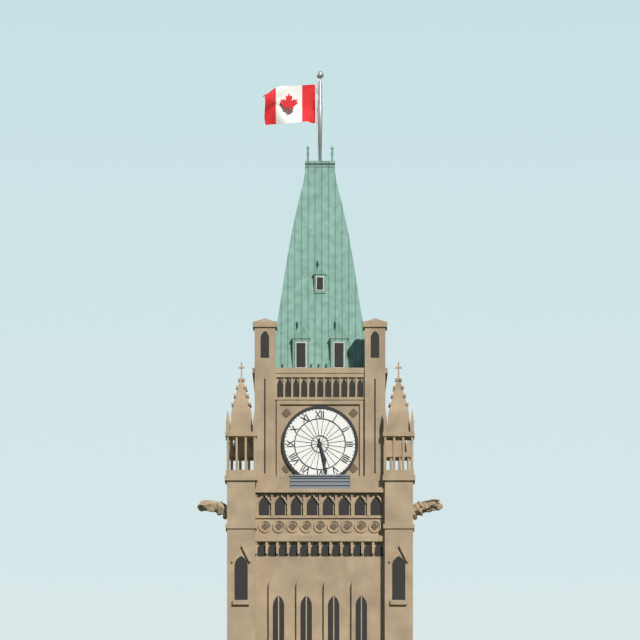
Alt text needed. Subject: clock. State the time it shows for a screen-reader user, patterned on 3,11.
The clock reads 5,28
